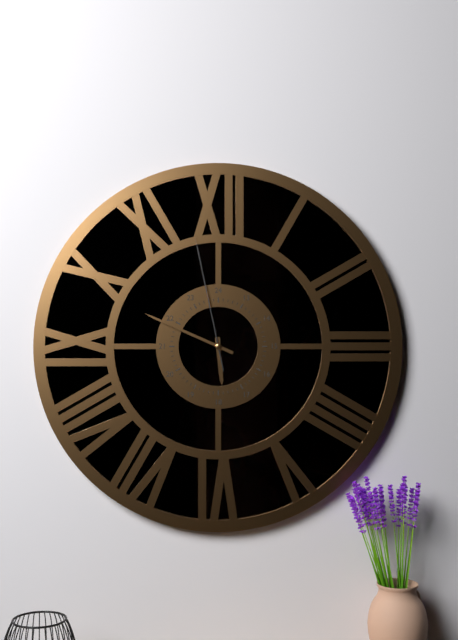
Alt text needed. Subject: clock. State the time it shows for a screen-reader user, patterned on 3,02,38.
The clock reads 5,49,58
